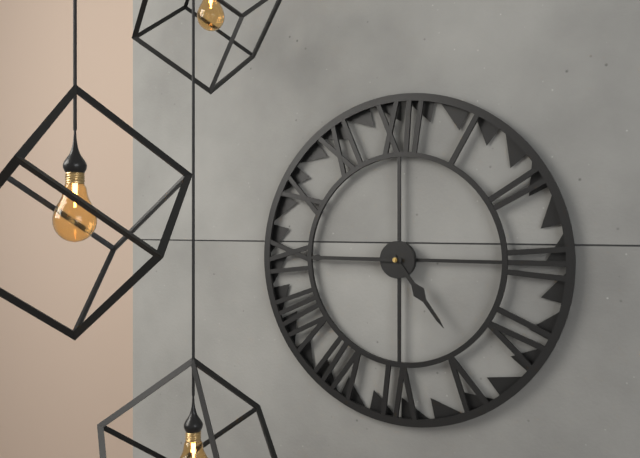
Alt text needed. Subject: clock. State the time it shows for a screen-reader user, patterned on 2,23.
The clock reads 4,45
